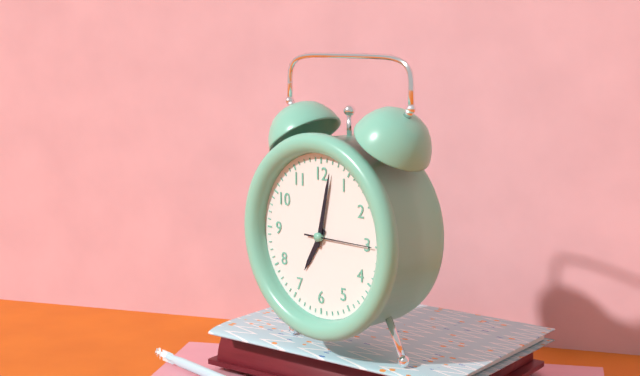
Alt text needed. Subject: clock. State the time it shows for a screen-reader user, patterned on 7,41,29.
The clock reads 7,02,15
